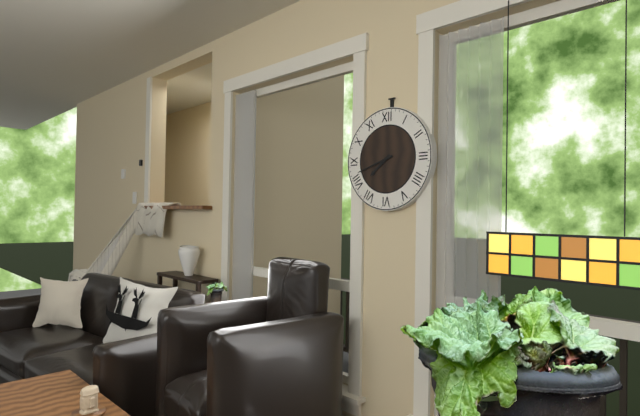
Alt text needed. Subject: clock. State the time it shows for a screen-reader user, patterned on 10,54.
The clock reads 7,42
